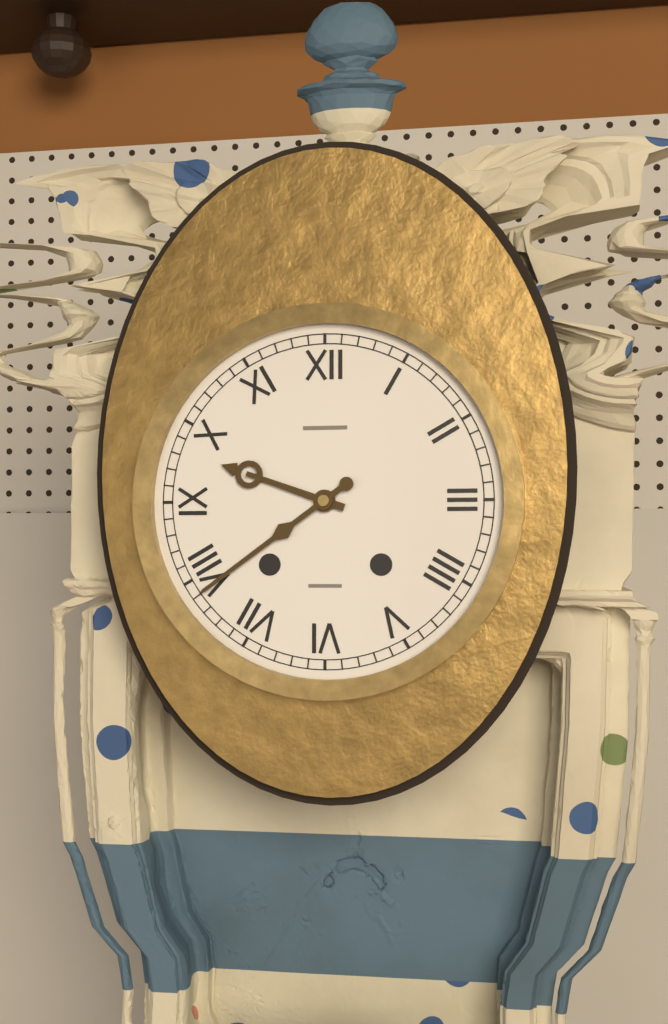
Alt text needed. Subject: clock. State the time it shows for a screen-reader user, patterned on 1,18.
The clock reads 9,39
